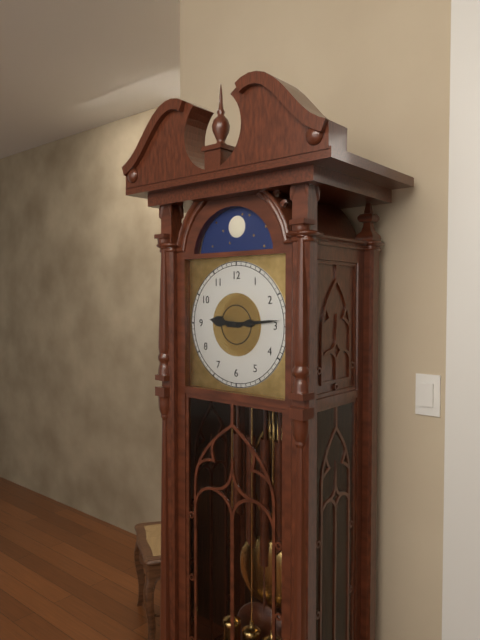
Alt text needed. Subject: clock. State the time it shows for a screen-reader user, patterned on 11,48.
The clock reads 9,14
